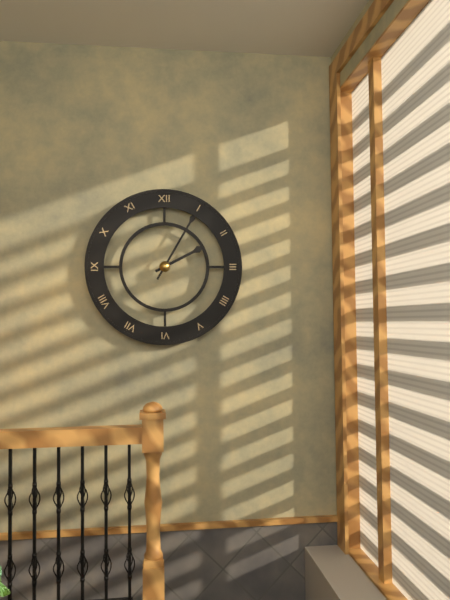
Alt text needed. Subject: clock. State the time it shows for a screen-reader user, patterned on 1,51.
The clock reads 2,05
